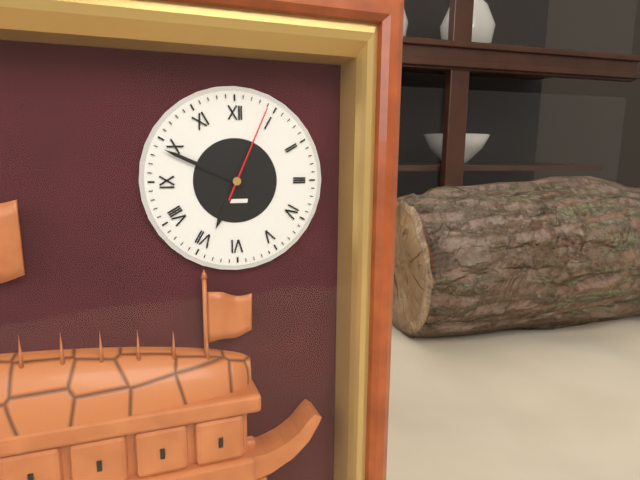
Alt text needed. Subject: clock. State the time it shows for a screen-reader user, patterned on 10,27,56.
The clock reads 6,49,04
